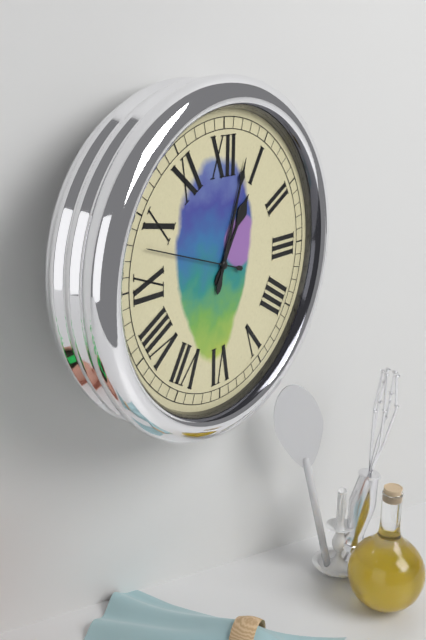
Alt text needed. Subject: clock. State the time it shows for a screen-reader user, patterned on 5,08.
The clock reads 1,03
